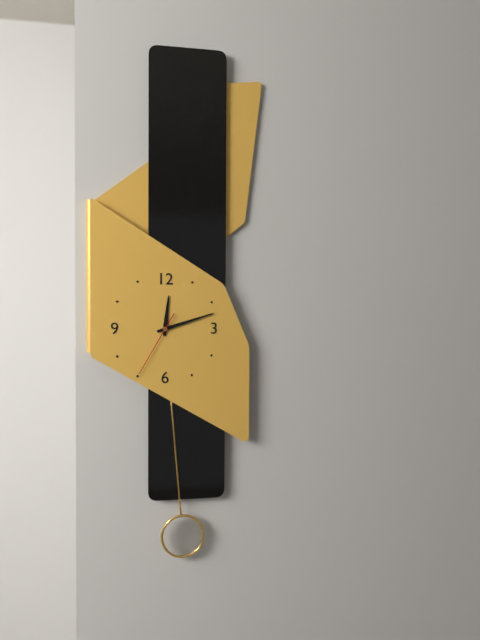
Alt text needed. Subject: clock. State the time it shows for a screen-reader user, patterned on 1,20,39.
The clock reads 12,12,35
